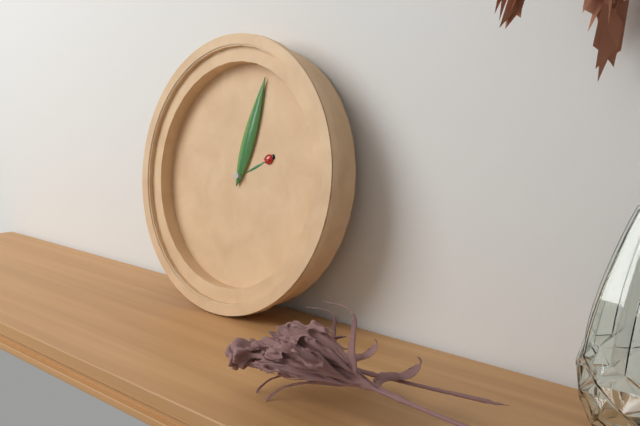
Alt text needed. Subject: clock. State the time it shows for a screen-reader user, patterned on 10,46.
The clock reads 2,02
